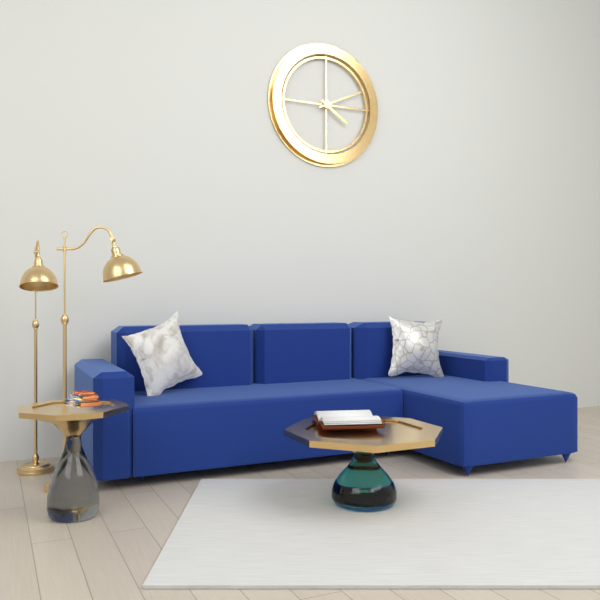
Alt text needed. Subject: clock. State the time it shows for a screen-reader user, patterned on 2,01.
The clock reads 4,11
